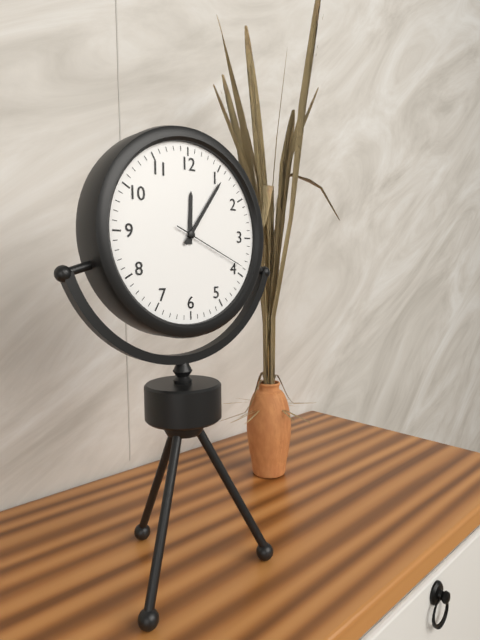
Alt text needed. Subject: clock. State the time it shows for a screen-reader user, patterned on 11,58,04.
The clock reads 12,06,19
